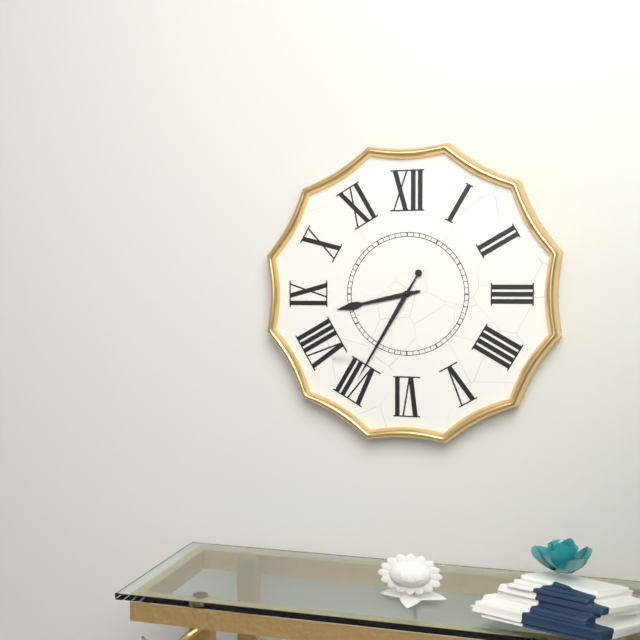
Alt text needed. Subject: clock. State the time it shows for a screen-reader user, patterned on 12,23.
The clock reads 8,35
